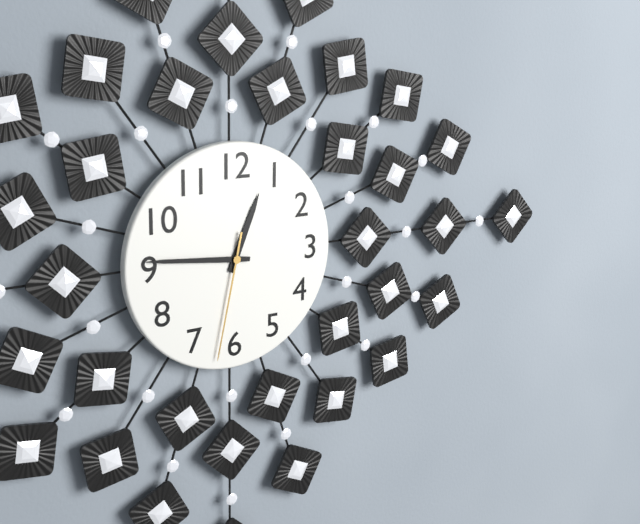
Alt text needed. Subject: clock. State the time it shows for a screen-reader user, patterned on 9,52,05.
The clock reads 12,46,32
